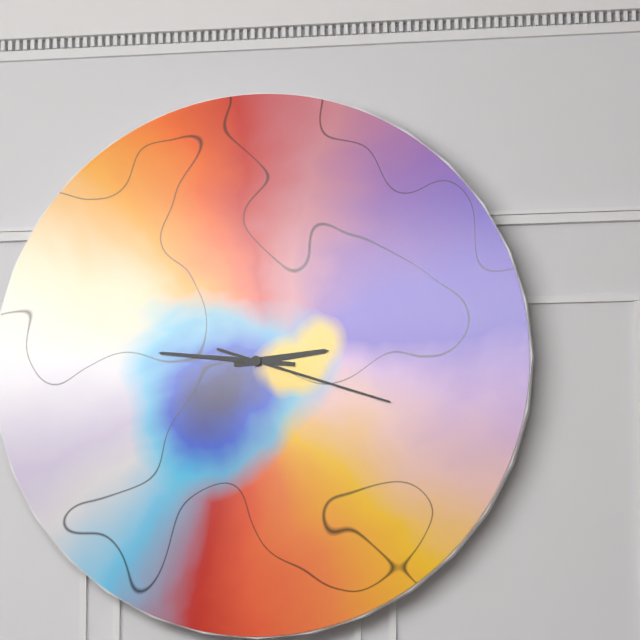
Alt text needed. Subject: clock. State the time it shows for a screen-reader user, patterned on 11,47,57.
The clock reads 2,46,18
